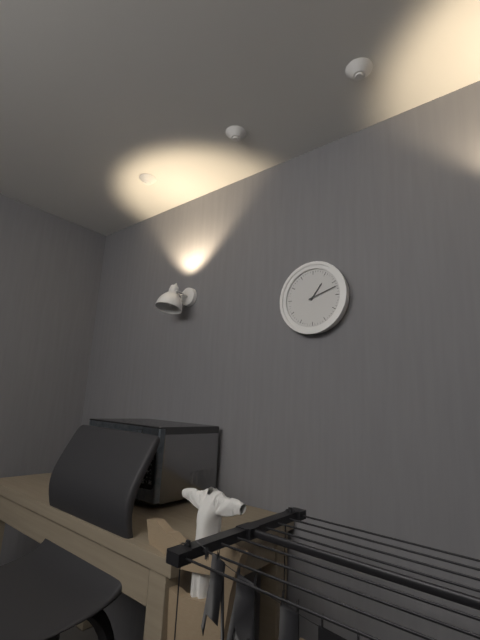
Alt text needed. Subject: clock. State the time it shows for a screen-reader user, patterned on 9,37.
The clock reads 1,12
